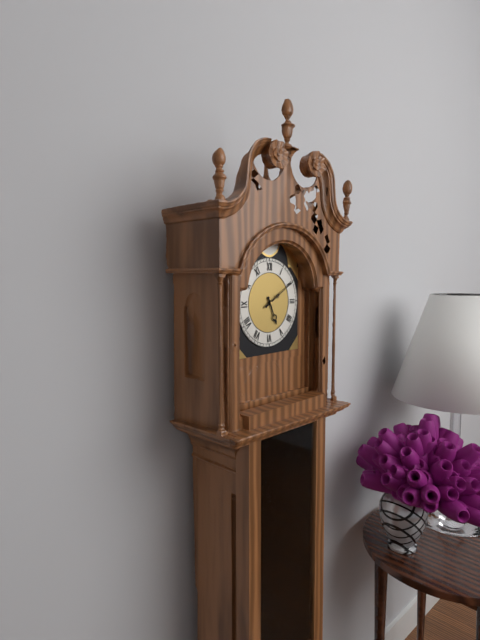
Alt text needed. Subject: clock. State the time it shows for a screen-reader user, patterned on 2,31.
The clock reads 5,10
